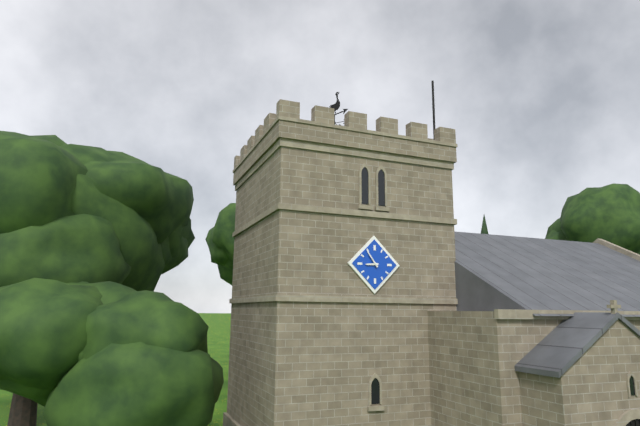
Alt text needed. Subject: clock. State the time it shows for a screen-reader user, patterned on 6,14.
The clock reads 8,54
